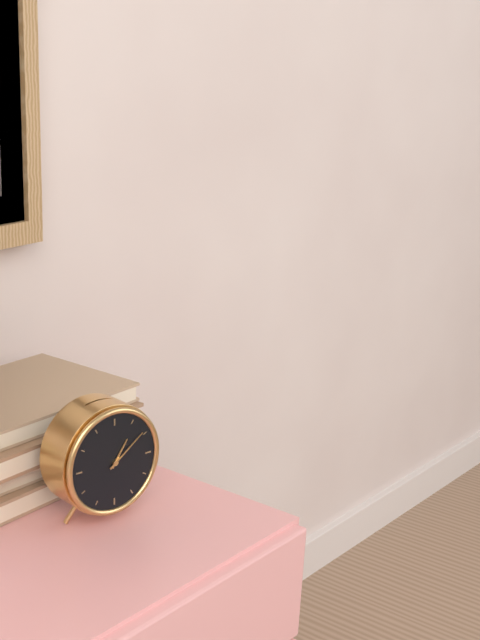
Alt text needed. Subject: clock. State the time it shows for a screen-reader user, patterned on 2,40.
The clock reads 1,09
